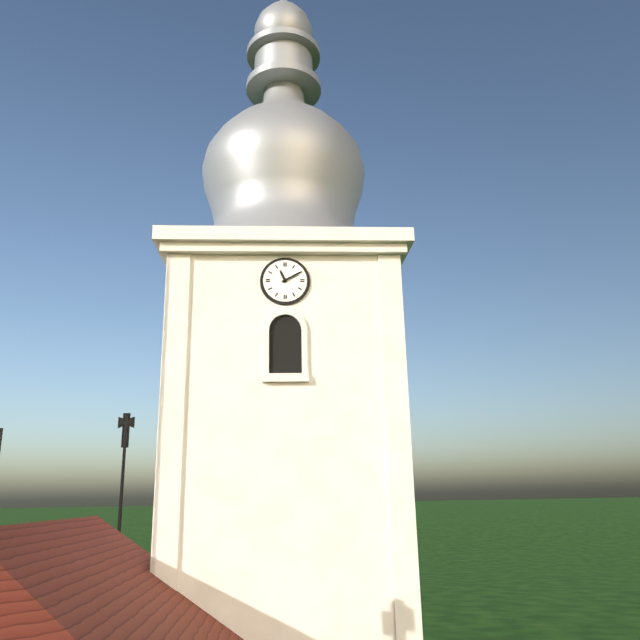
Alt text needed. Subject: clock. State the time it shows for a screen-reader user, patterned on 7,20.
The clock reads 11,10
